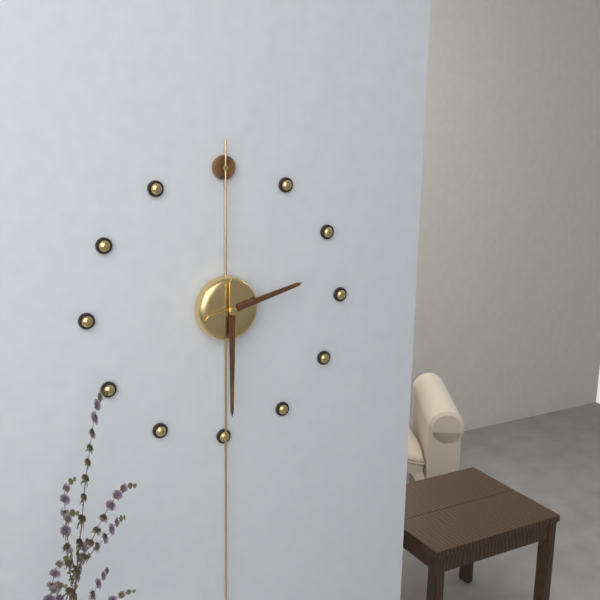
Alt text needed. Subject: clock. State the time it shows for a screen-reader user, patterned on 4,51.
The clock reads 2,30
